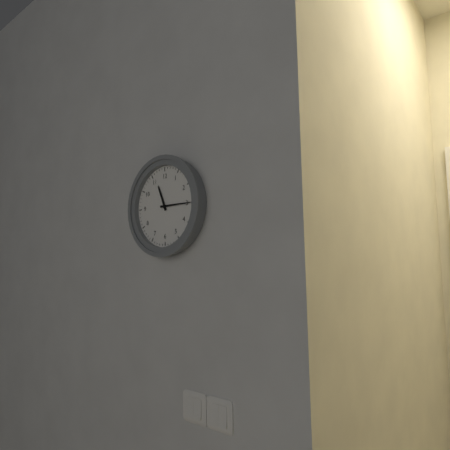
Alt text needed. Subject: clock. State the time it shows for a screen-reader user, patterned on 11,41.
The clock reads 11,15
